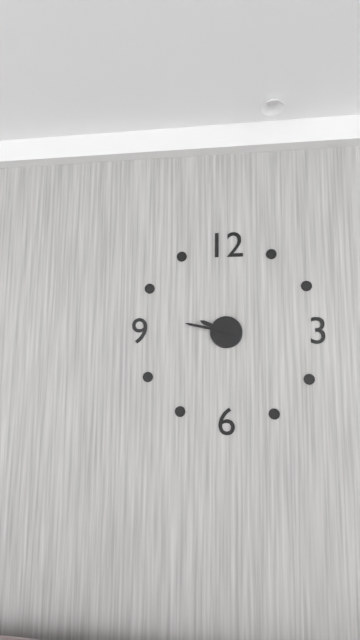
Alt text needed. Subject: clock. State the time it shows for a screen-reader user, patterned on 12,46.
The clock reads 9,47
